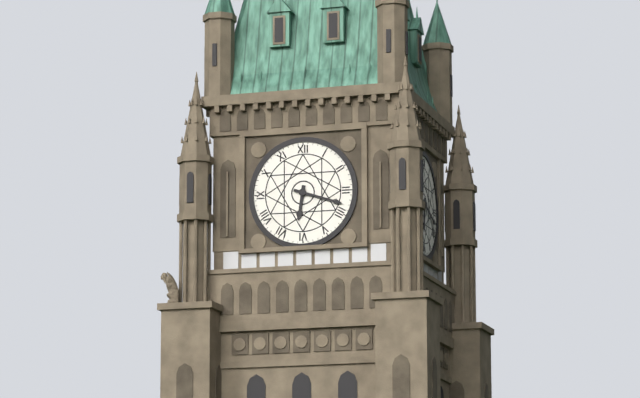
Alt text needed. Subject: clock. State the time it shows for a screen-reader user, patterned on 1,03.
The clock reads 6,18
